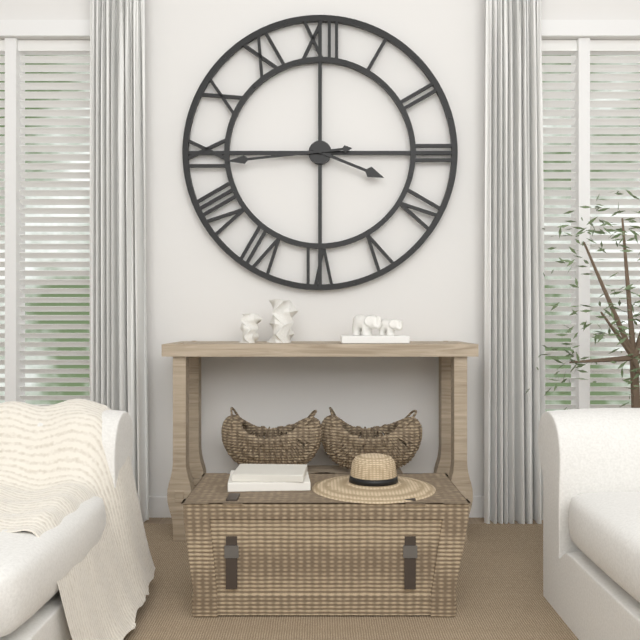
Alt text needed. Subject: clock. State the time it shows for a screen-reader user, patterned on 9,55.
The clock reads 3,44
